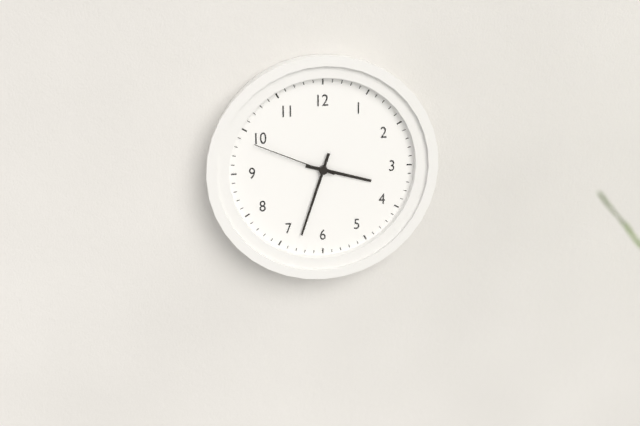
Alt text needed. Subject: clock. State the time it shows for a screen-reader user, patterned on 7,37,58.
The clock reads 3,33,49
